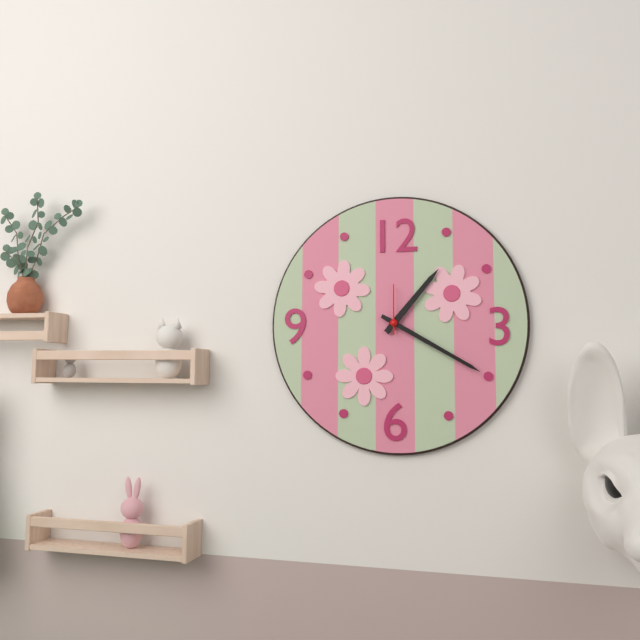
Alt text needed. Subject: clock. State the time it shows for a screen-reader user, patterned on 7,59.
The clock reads 1,20
